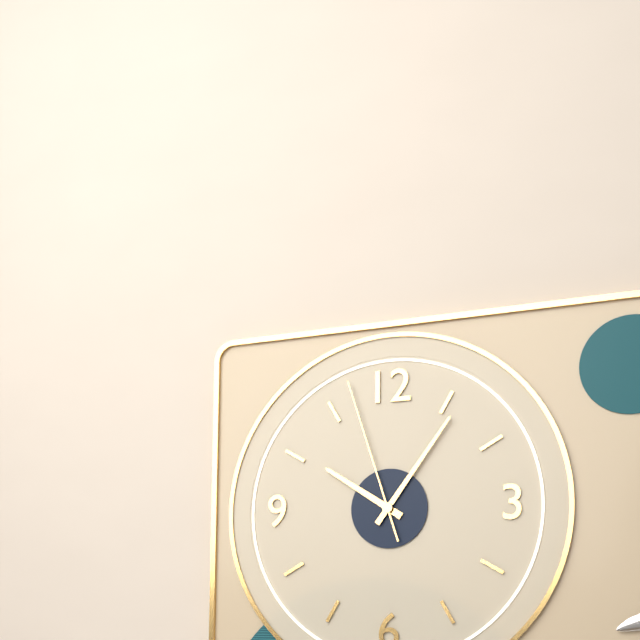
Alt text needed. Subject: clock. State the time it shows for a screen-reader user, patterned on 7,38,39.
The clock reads 10,06,57
